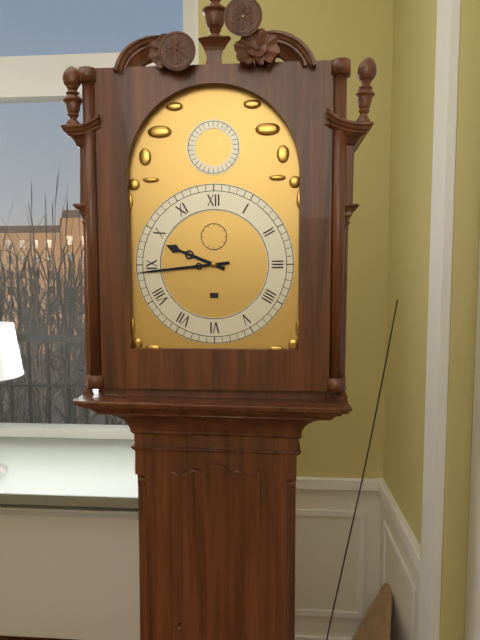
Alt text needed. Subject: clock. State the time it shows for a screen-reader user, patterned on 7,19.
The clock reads 9,44
